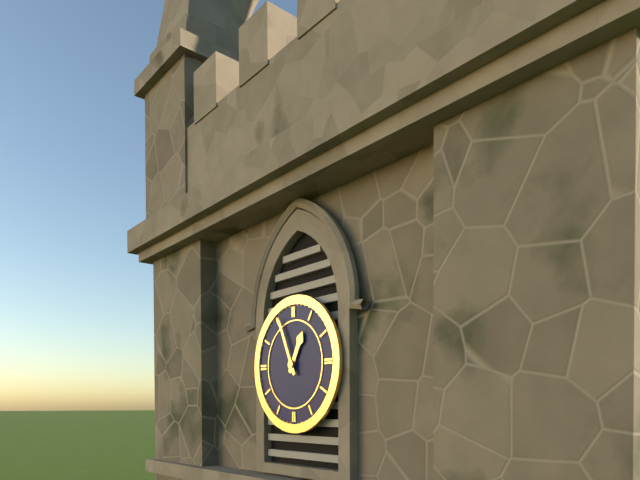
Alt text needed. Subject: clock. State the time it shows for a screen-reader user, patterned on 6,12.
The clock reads 12,56
